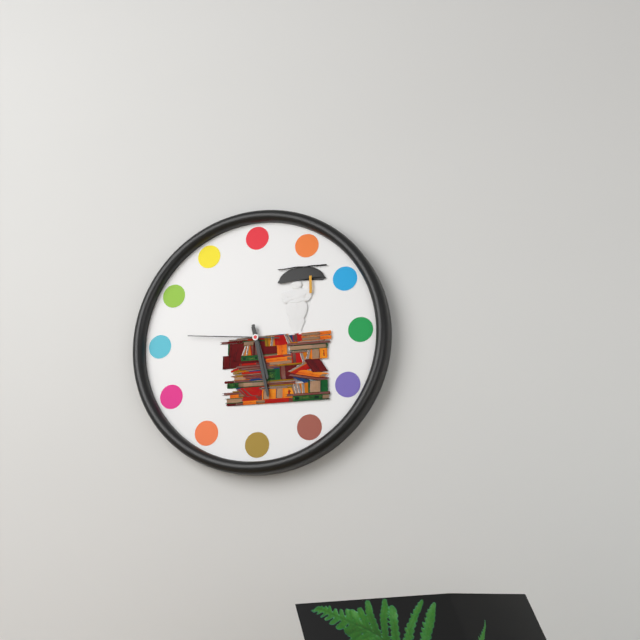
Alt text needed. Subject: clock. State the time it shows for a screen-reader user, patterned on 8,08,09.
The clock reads 5,28,46
